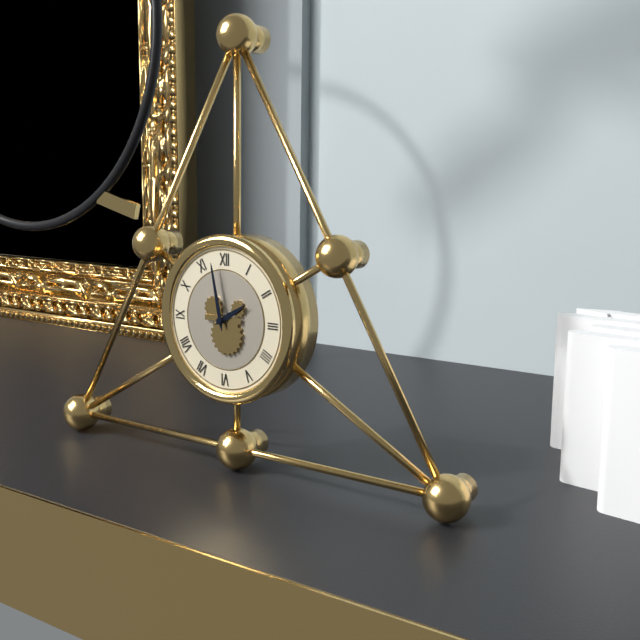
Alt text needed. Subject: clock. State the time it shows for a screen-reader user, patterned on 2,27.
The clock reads 1,58
